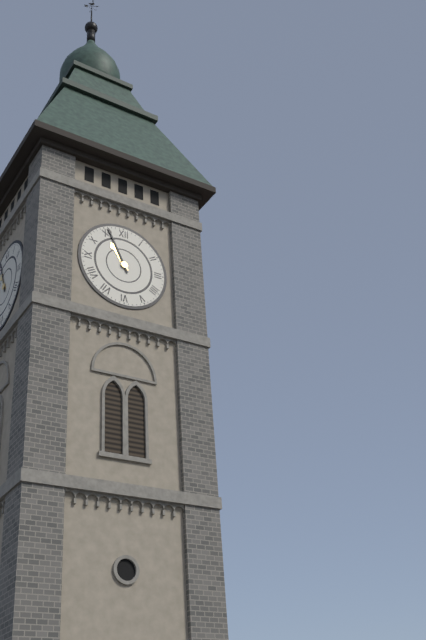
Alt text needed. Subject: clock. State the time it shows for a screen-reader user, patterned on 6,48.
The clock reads 10,56
